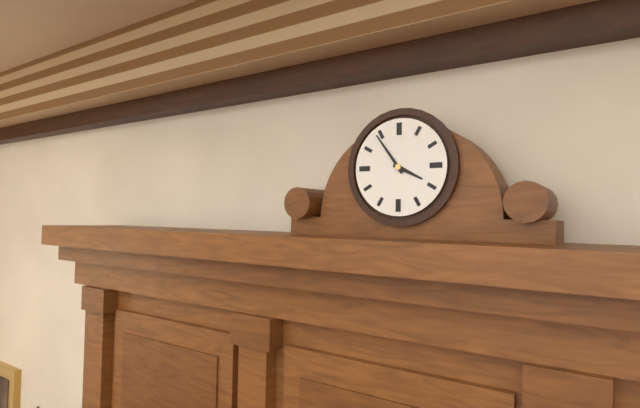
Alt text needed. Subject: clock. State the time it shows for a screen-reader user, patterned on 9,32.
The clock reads 3,54
